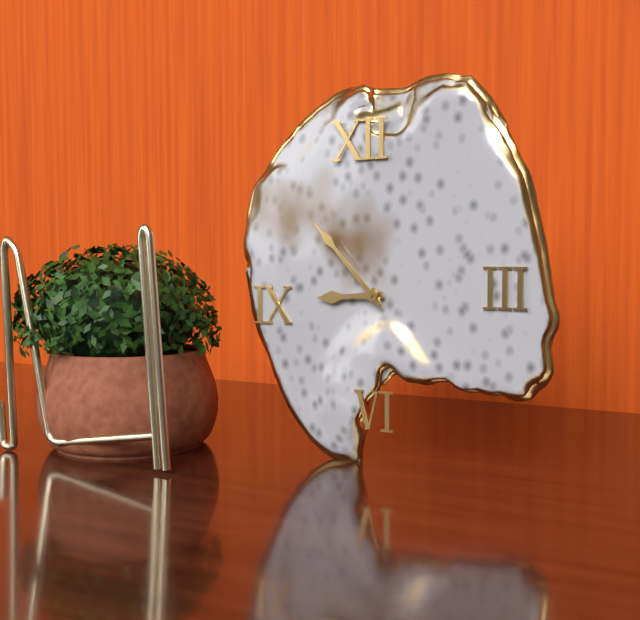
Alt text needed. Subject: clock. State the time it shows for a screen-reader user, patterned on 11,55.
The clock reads 8,53
